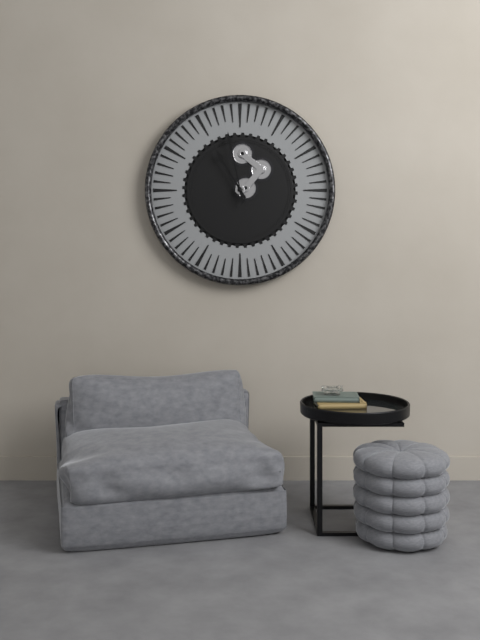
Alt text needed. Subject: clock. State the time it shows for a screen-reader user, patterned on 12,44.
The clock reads 10,58
